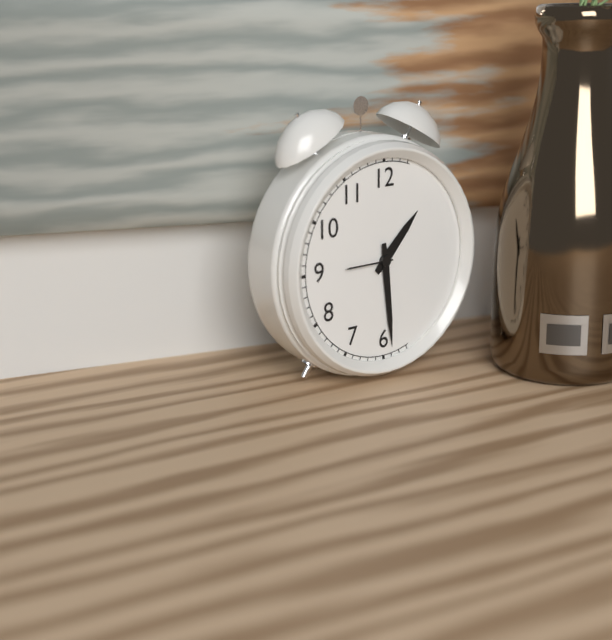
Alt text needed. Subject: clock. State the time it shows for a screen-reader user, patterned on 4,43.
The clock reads 1,29
